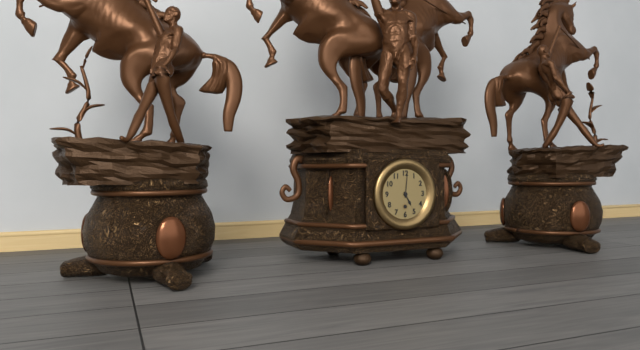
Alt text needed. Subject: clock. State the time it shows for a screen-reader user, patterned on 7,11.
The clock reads 5,01
